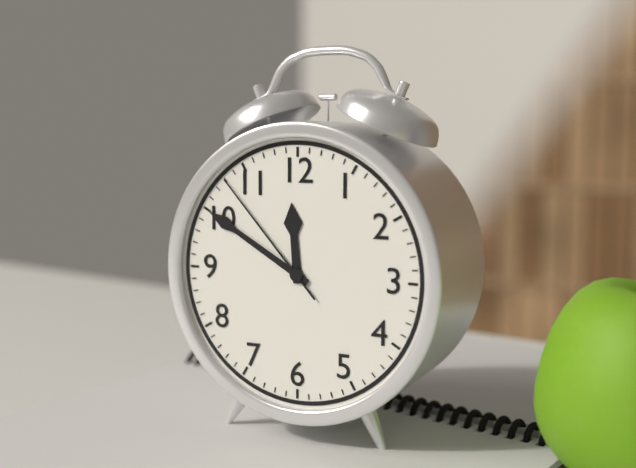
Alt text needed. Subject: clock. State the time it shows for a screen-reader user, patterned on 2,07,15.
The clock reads 11,50,53
